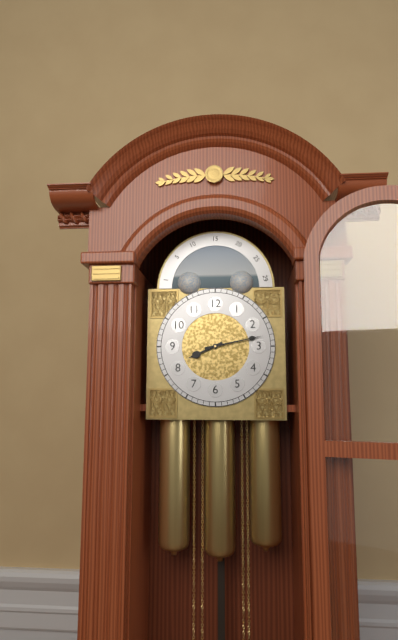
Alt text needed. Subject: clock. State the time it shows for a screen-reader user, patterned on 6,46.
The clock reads 8,13
